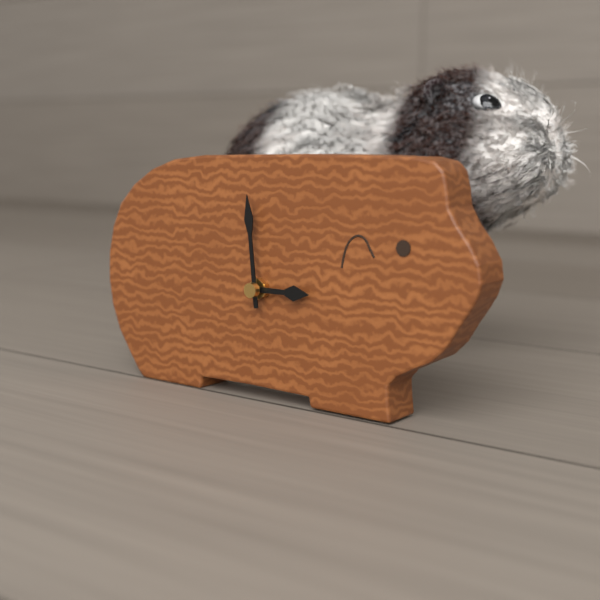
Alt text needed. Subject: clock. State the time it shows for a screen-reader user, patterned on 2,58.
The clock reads 2,59
